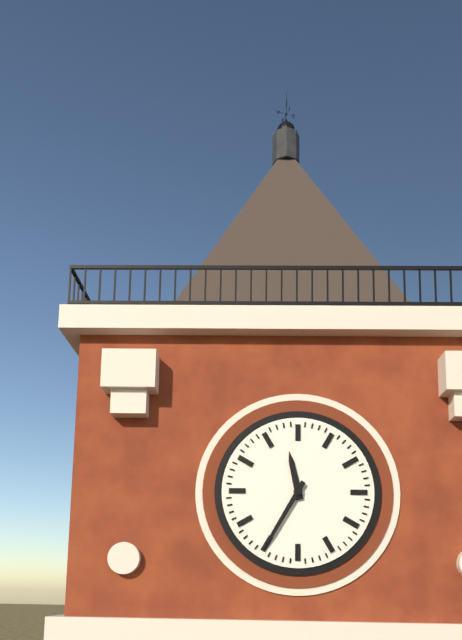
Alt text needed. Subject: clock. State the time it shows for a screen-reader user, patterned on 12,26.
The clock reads 11,35
